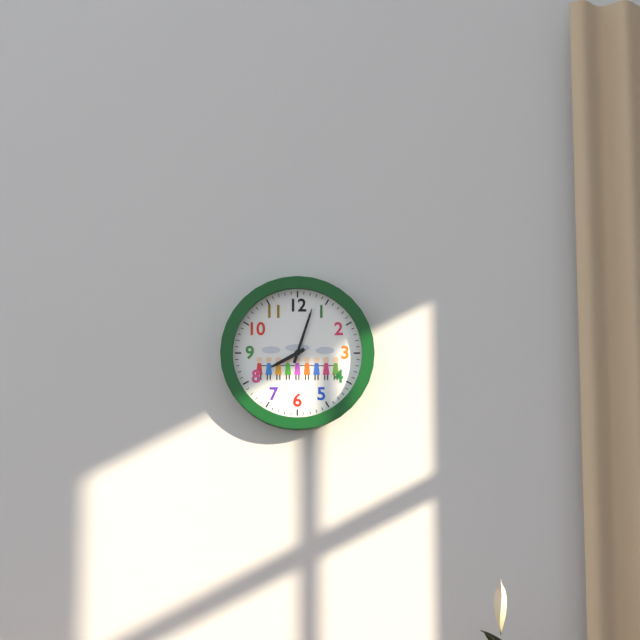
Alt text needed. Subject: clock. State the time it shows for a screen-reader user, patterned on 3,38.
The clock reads 8,03
